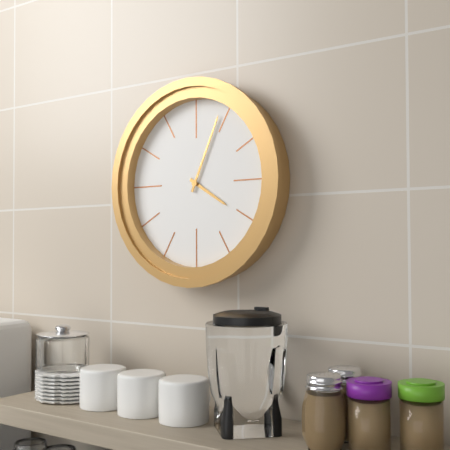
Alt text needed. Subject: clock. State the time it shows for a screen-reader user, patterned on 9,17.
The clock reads 4,04
